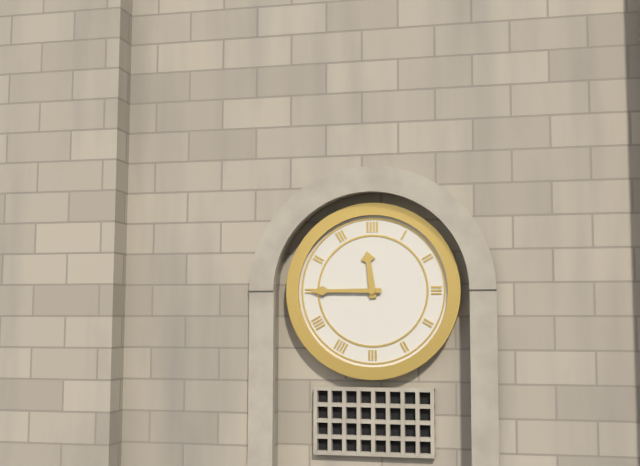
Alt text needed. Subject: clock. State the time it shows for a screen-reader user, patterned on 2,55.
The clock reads 11,45
